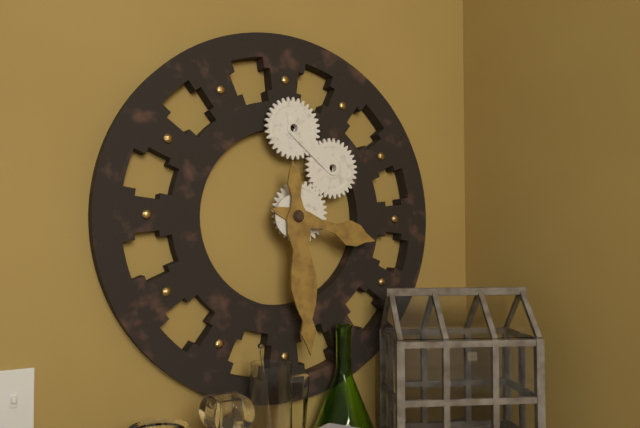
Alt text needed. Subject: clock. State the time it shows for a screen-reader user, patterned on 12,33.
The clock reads 3,29
